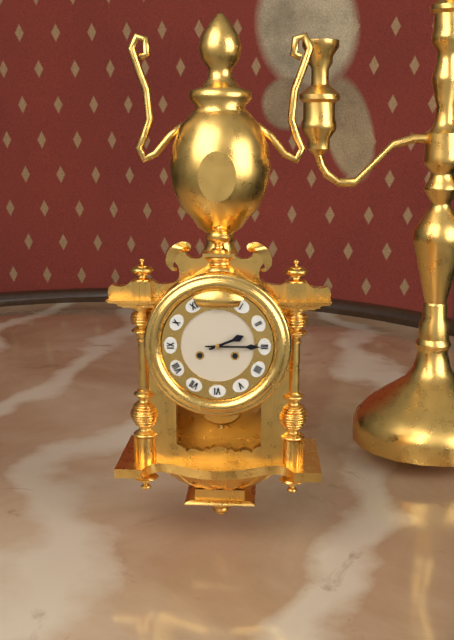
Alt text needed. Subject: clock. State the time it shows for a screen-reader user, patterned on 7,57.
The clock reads 2,15
